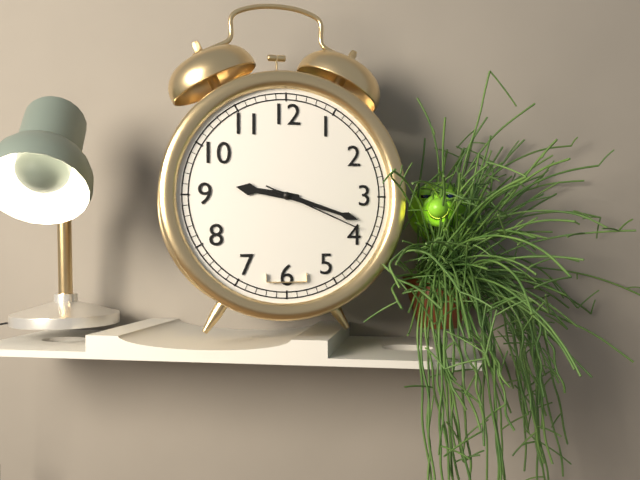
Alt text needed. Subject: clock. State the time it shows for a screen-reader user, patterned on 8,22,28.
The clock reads 9,18,19
